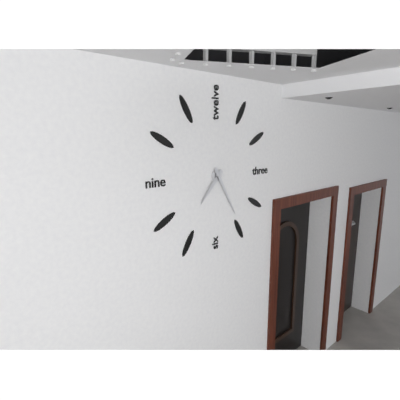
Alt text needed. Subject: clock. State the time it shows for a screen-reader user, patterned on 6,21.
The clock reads 7,25
